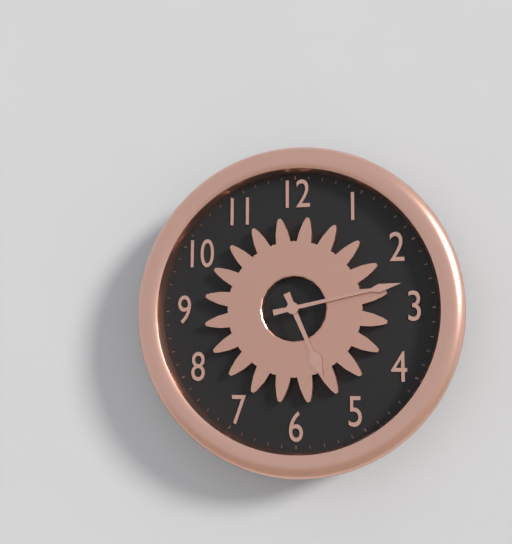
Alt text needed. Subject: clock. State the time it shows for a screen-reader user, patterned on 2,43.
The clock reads 5,13
